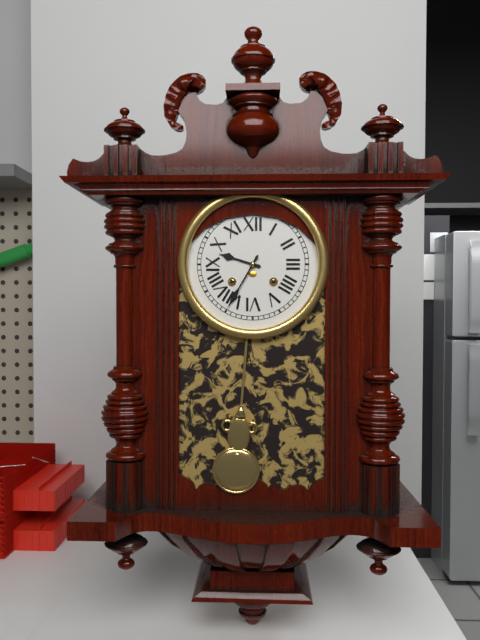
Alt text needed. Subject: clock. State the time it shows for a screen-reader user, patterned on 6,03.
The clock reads 9,35
